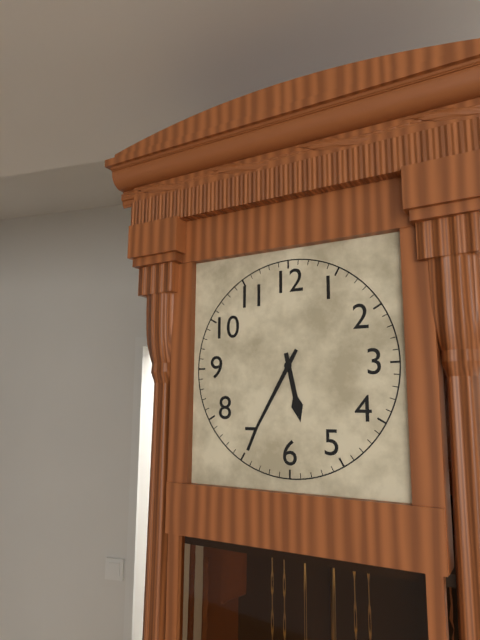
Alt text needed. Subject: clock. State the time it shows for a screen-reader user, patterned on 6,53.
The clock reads 5,35
